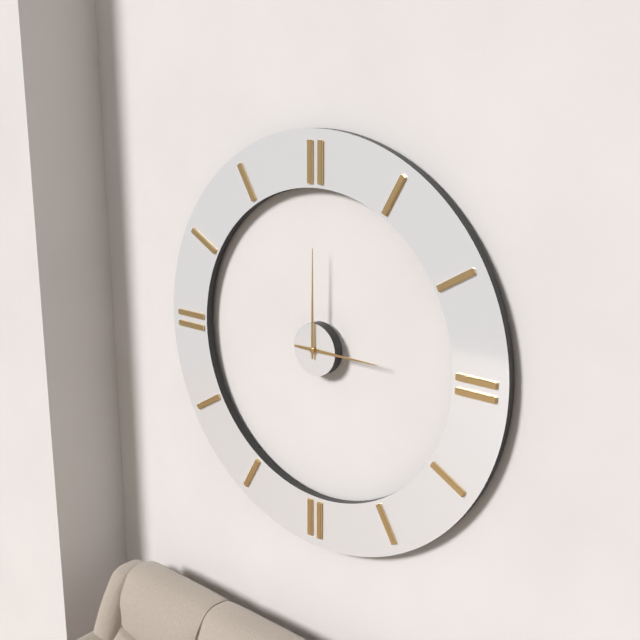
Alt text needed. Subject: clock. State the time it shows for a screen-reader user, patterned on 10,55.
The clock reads 3,00
